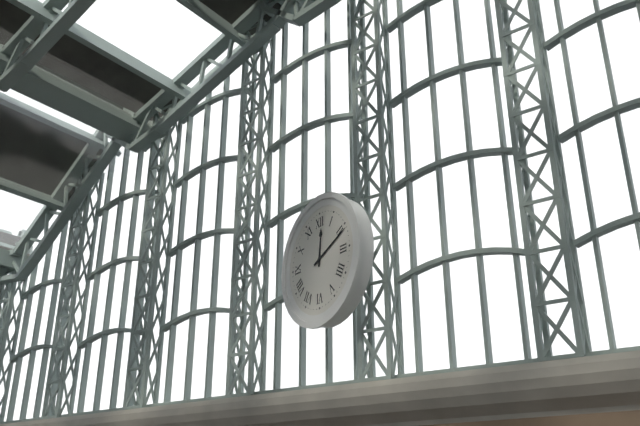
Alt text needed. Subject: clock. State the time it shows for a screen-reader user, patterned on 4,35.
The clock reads 12,11
